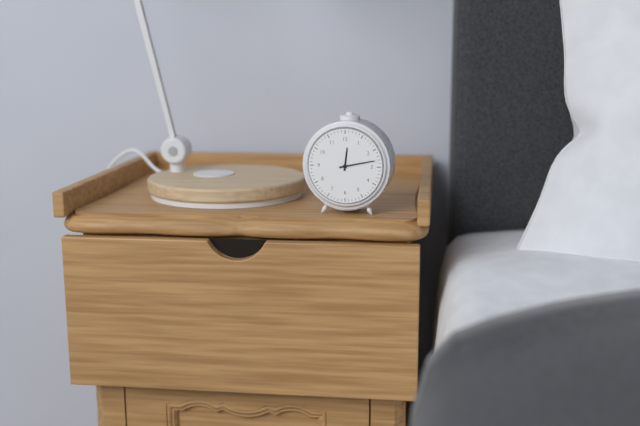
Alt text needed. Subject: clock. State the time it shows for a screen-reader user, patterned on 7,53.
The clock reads 12,13
